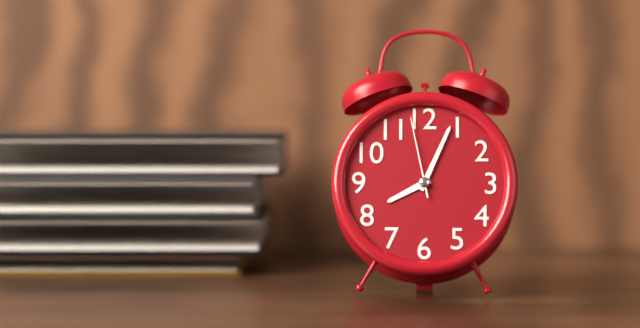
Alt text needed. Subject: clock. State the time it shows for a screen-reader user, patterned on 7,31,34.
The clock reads 8,04,58
